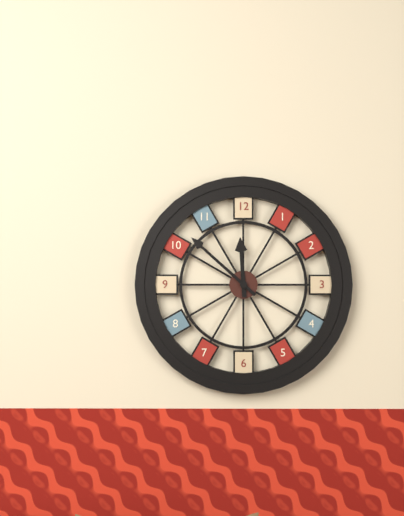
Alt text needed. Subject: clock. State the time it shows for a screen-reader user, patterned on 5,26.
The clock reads 11,52
